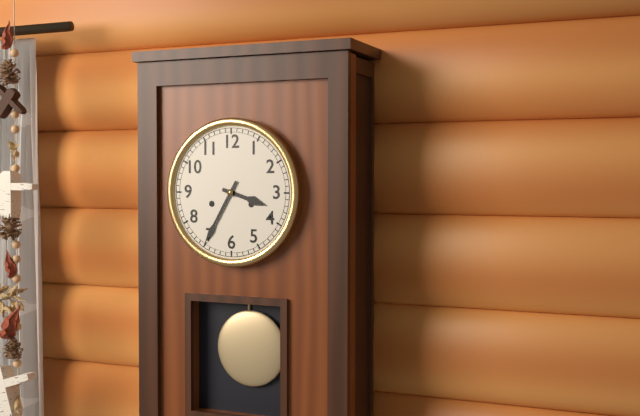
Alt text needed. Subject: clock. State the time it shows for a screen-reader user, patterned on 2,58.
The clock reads 3,35
